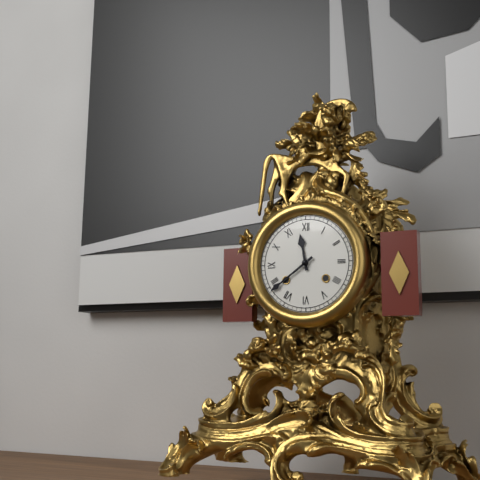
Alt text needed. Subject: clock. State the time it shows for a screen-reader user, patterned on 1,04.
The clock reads 11,39
